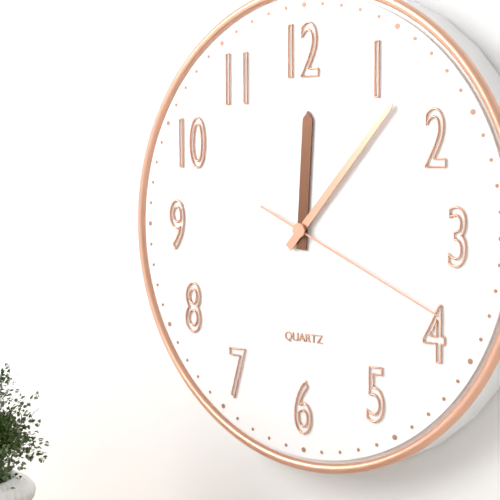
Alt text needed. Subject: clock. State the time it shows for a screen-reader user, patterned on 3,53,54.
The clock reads 12,07,19
